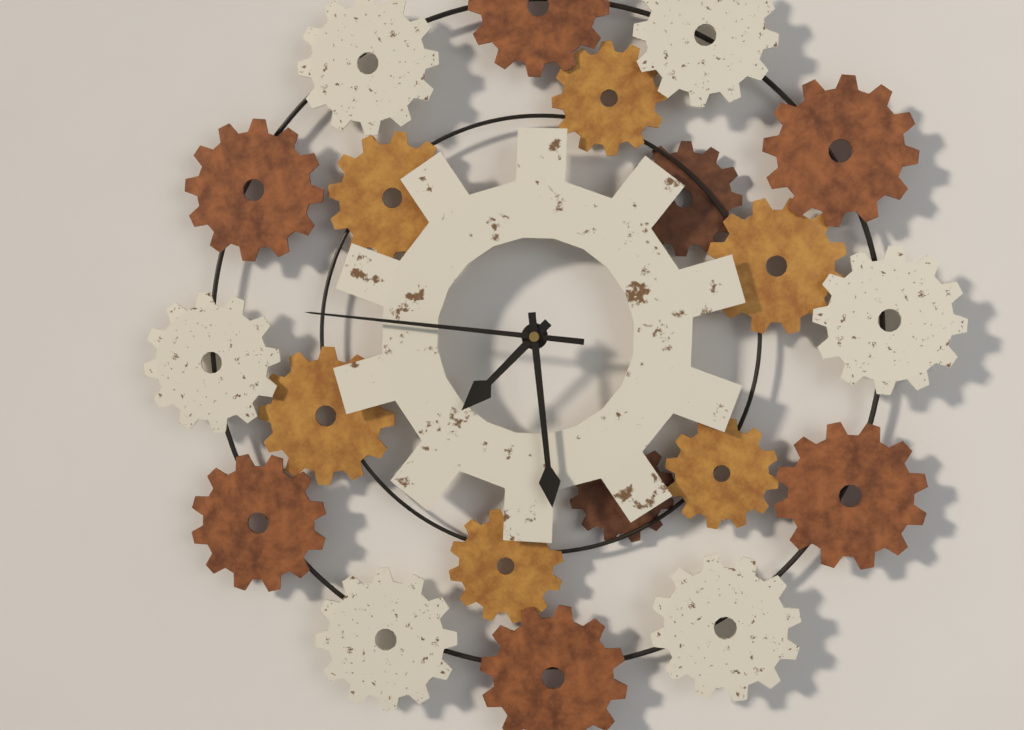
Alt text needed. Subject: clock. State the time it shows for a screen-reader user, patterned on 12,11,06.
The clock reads 7,29,46
